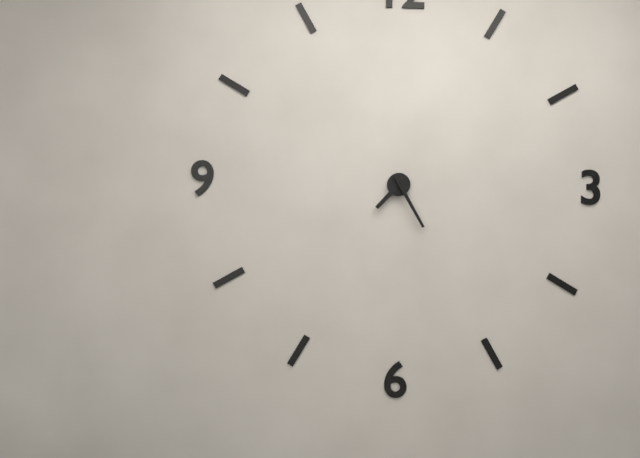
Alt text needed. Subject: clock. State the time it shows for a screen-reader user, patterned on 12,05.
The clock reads 7,25
